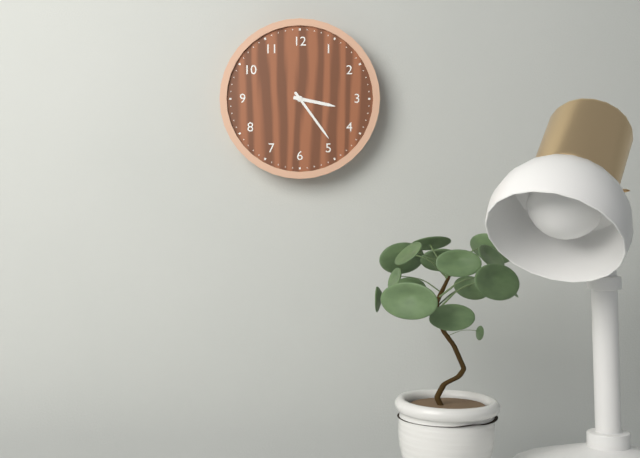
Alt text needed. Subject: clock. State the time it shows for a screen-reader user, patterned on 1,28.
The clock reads 3,24
